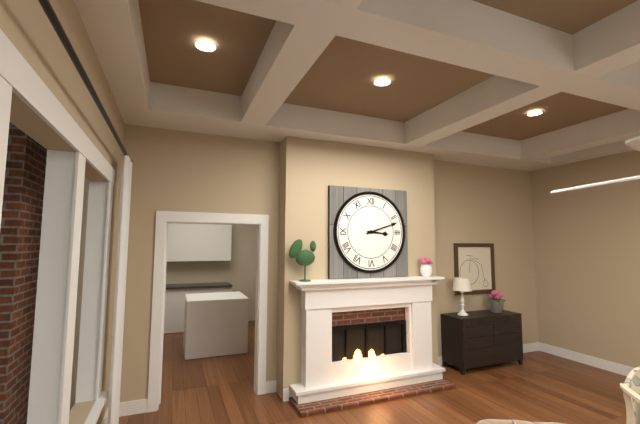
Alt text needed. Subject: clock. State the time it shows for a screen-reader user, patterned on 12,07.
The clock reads 3,12
